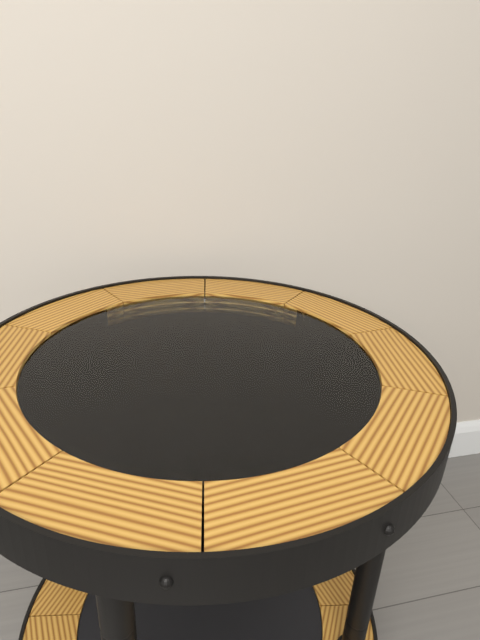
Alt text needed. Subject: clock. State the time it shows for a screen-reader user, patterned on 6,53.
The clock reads 6,05
